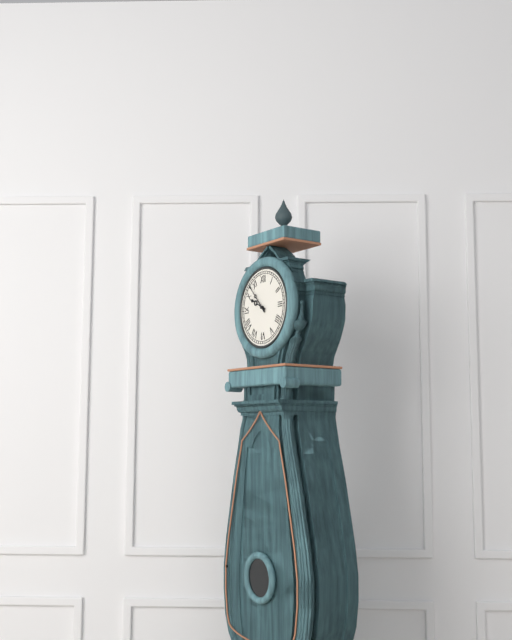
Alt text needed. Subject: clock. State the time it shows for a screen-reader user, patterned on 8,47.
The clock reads 9,53
